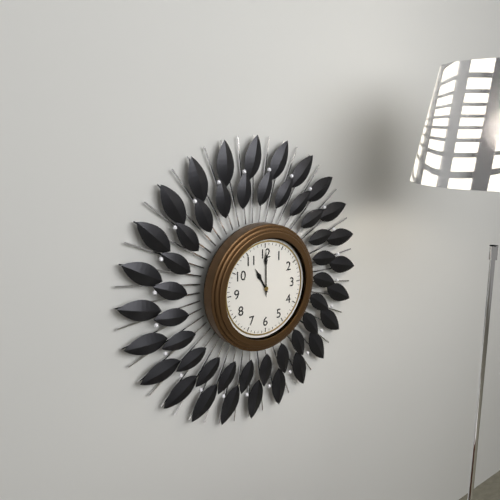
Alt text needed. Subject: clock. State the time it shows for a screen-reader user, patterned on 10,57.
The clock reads 11,00
